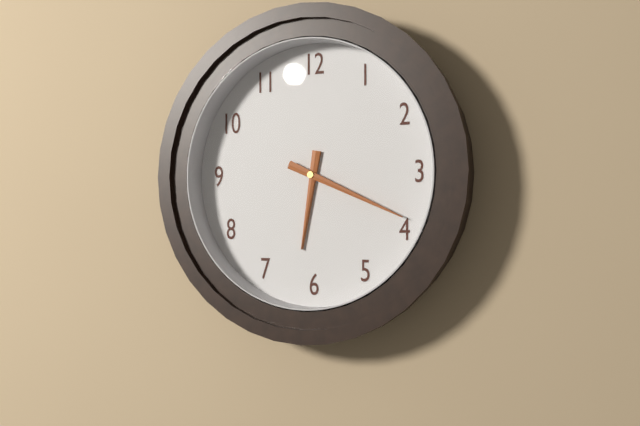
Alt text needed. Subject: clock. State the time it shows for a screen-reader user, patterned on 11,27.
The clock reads 6,19
